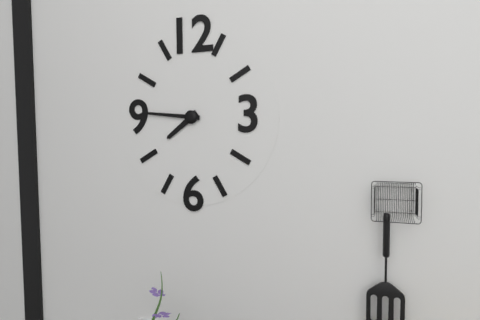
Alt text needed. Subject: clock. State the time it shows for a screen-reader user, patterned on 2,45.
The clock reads 7,46
